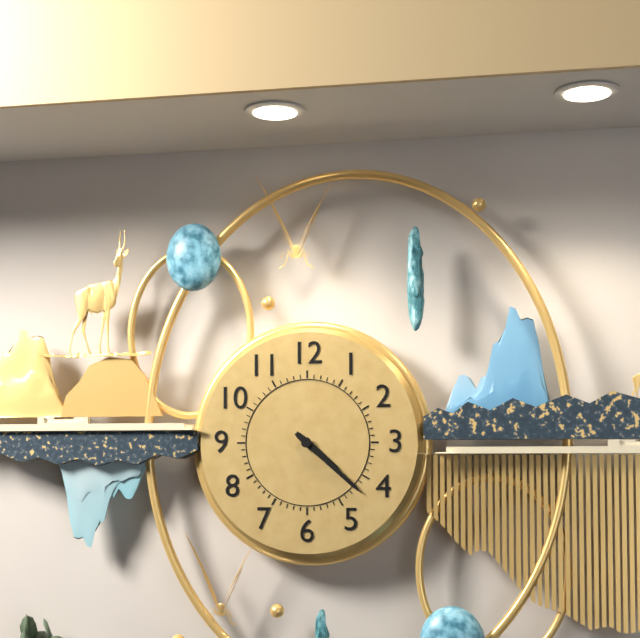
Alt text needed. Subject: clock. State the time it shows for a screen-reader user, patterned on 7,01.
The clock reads 4,22
